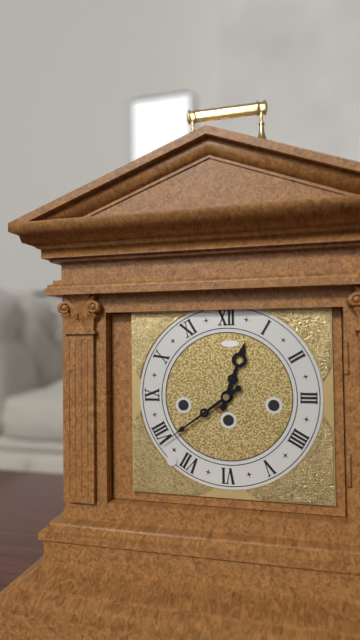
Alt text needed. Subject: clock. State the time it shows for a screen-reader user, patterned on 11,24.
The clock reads 12,39
